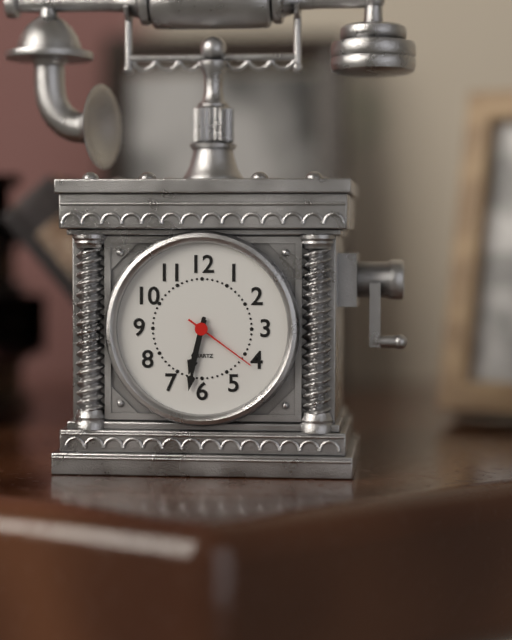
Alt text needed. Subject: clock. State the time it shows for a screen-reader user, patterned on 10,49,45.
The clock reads 6,32,21
